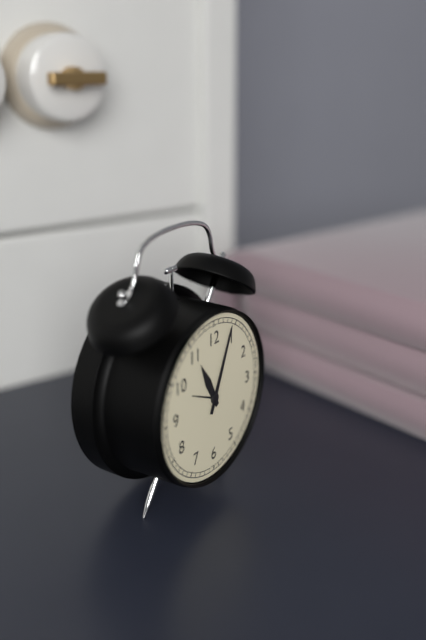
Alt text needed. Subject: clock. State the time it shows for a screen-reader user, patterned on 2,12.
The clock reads 11,04
